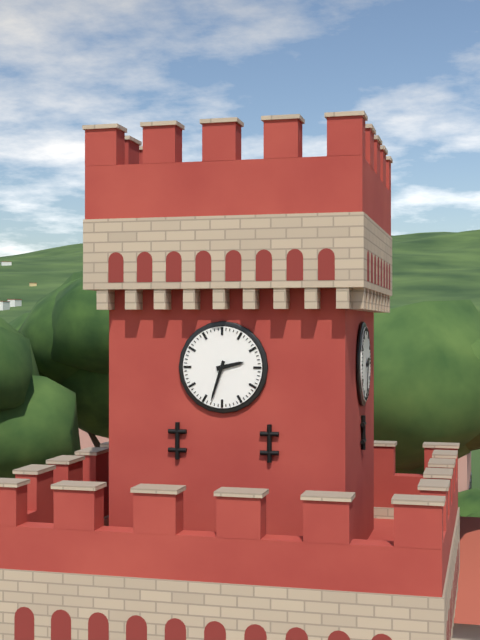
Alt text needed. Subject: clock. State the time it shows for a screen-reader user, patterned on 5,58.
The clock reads 2,33
